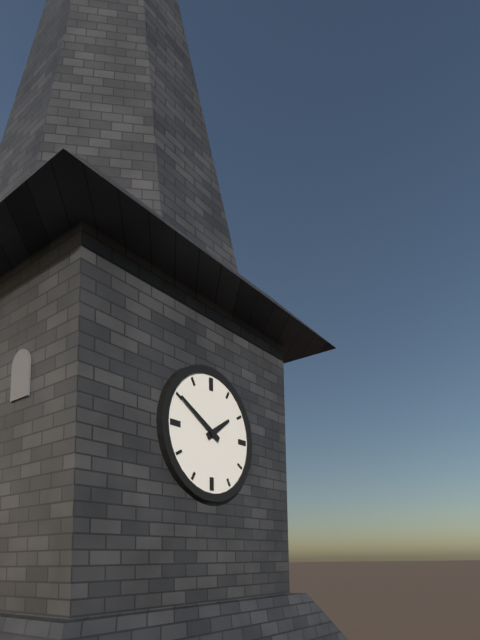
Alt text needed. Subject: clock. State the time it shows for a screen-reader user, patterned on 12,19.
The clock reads 1,50
